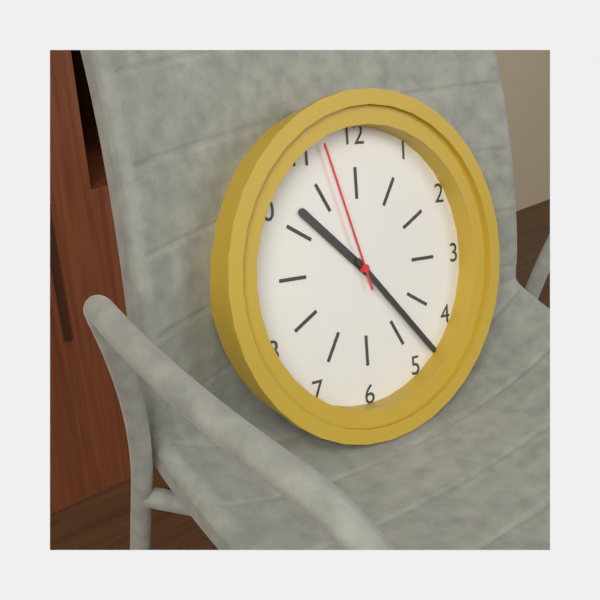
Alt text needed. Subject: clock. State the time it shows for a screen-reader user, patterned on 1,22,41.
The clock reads 10,23,57
